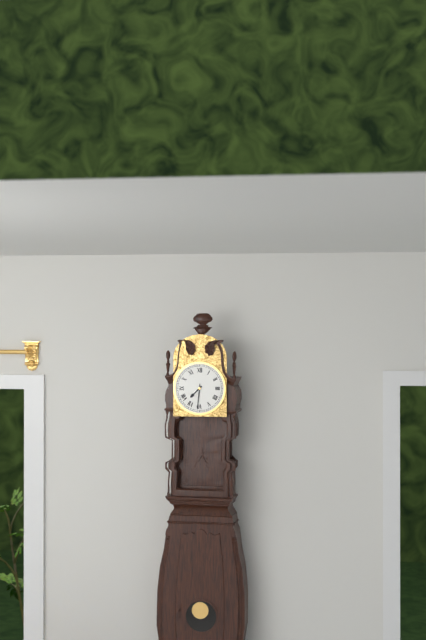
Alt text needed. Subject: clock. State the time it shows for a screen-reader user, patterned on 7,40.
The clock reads 7,31
